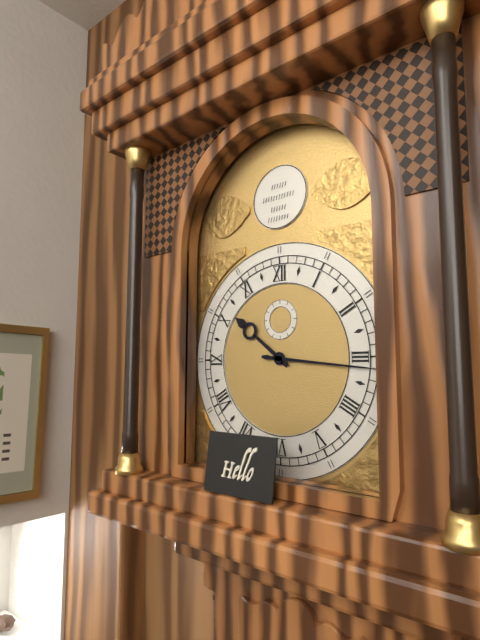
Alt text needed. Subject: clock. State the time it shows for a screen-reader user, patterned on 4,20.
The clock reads 10,16
